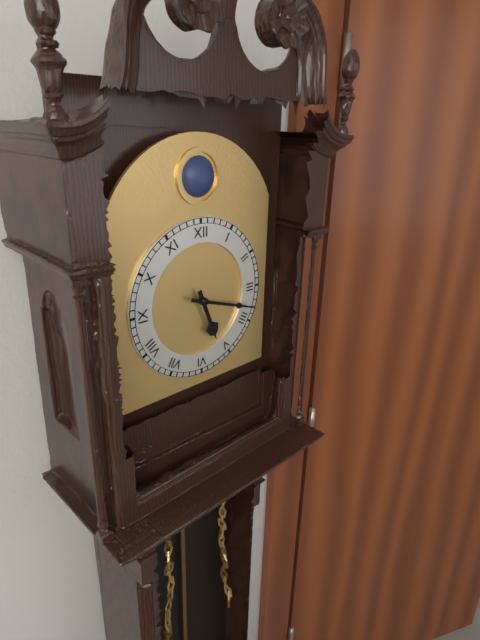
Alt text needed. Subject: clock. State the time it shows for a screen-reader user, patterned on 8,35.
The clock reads 5,18
